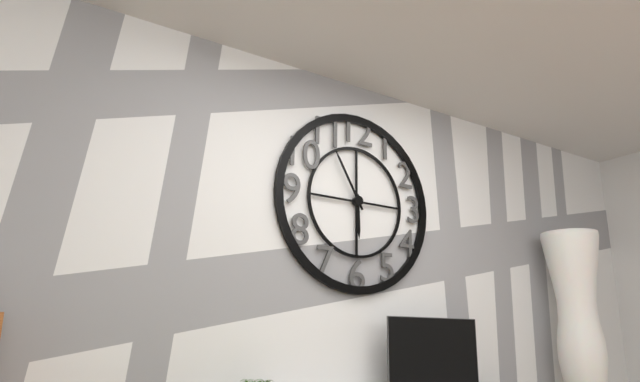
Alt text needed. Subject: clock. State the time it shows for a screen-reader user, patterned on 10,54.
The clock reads 5,55
